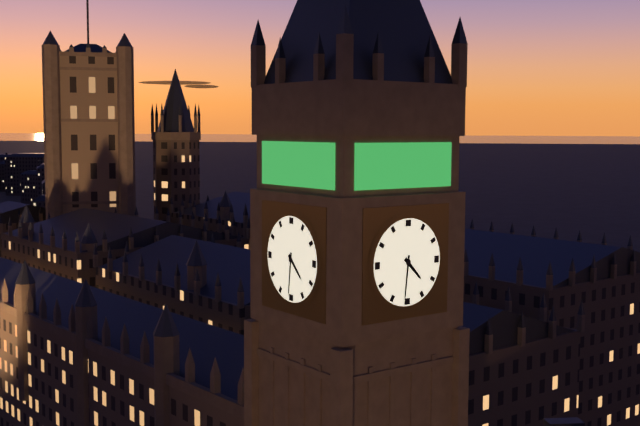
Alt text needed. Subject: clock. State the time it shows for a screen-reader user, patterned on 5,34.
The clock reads 4,31
